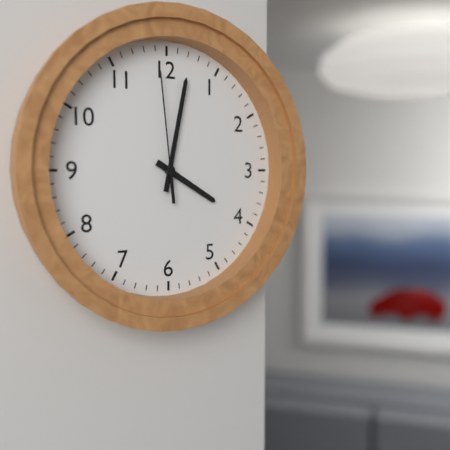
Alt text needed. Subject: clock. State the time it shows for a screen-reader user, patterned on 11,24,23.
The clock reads 4,02,59
